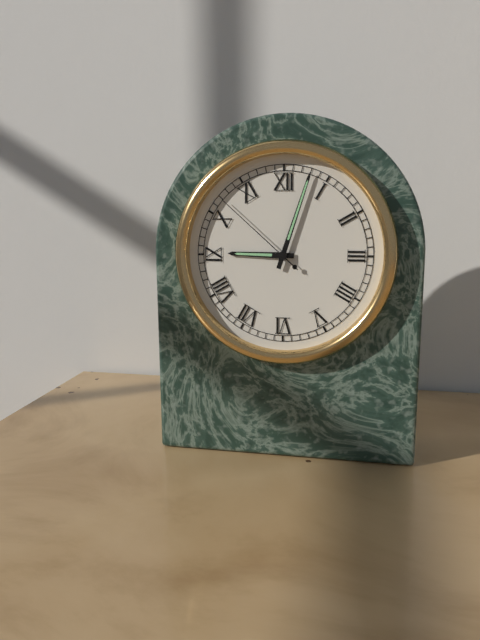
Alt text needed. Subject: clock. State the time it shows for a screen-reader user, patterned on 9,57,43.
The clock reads 9,03,52
